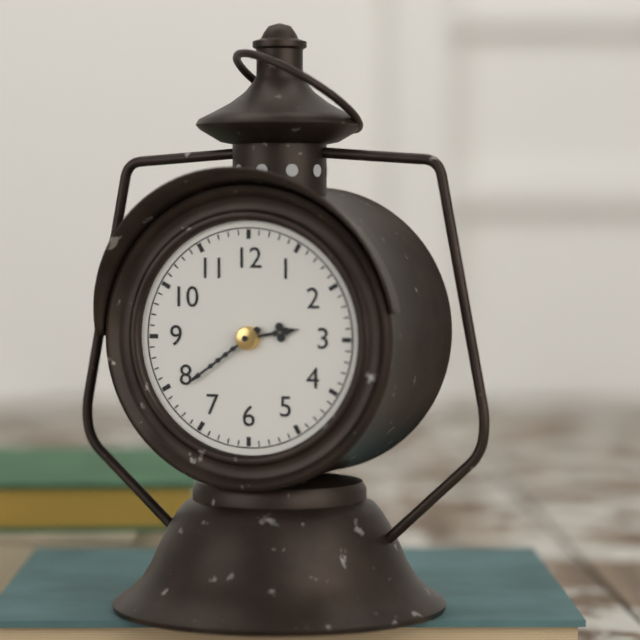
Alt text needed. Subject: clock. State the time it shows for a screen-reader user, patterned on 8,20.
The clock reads 2,39
